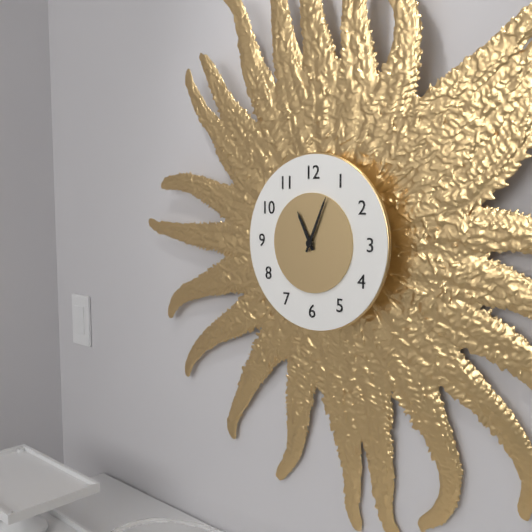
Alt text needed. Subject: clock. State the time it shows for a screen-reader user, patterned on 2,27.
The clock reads 11,04
